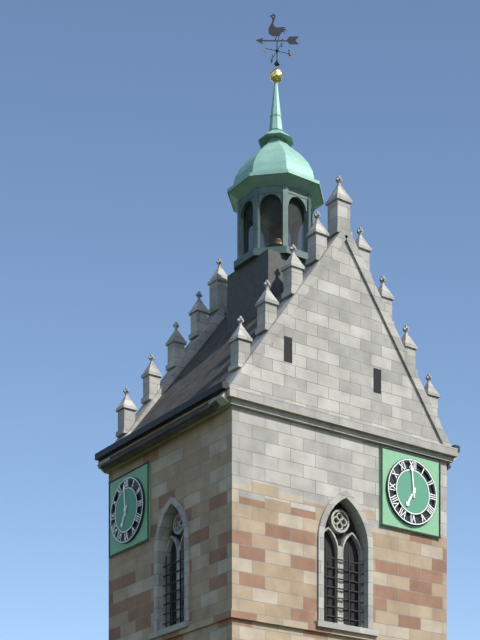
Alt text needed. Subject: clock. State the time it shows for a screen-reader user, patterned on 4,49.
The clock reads 6,59
